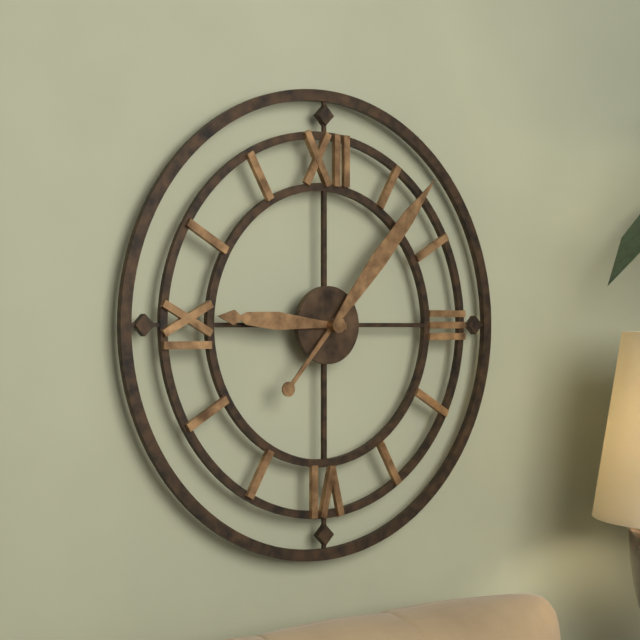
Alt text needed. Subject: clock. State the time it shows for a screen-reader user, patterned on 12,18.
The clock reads 9,07
